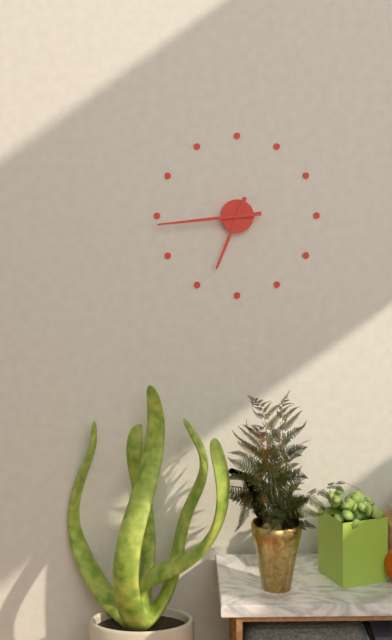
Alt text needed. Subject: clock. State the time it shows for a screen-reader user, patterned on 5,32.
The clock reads 6,44
